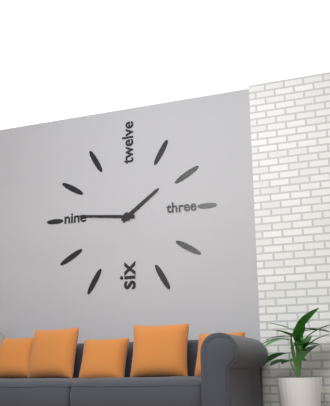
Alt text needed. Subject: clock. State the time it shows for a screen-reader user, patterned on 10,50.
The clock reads 1,46
